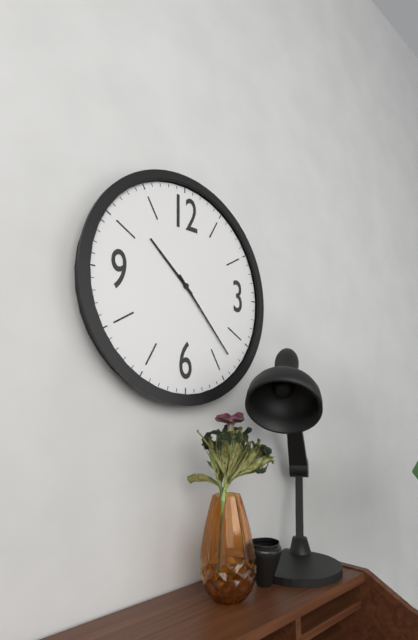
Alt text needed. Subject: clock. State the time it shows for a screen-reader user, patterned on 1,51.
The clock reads 10,23
